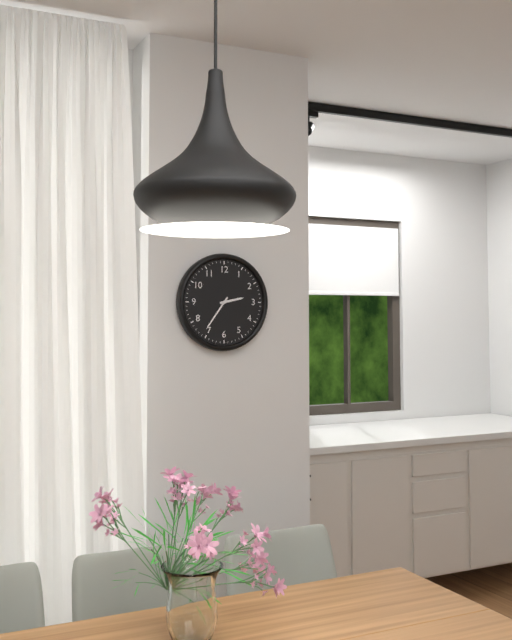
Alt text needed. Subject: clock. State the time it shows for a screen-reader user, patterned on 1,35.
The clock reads 2,36
